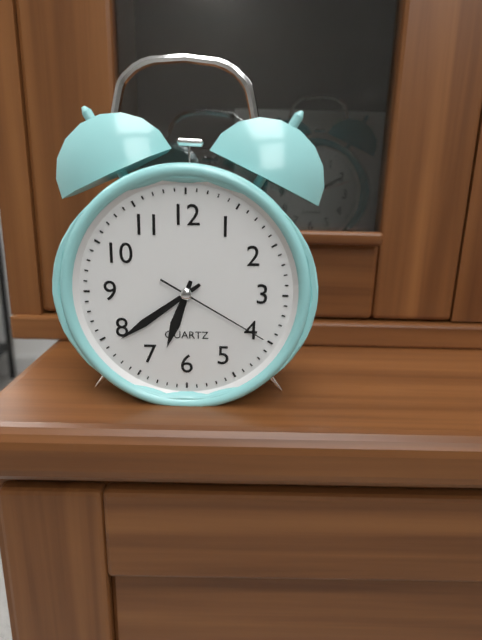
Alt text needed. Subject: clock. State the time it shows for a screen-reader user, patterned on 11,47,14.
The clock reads 6,39,20
